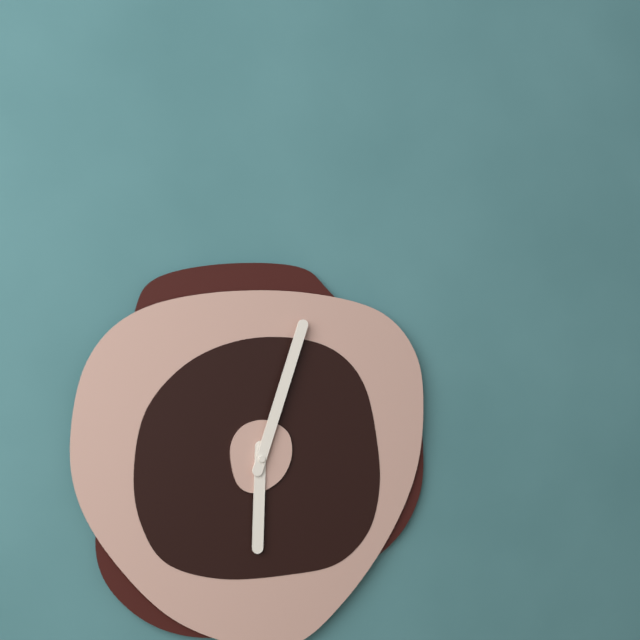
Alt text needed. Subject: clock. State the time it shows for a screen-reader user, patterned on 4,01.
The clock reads 6,03
